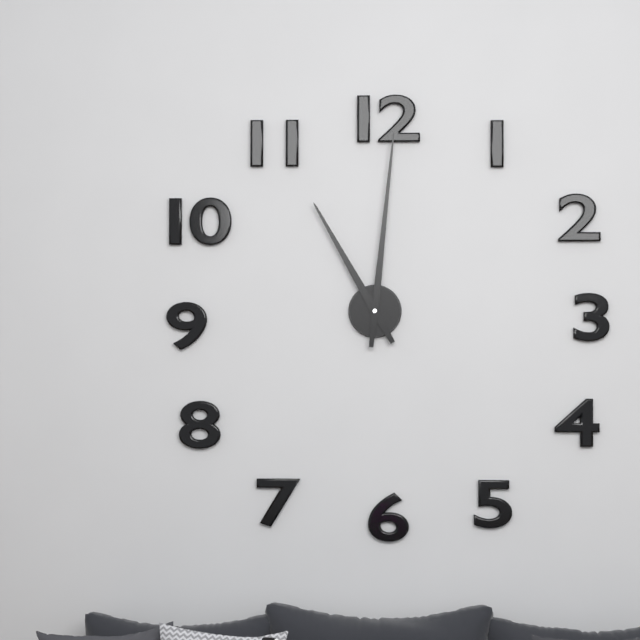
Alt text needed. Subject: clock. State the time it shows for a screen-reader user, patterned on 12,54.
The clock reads 11,01
